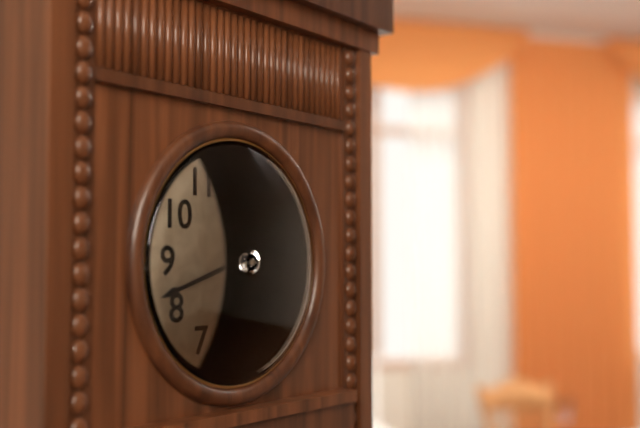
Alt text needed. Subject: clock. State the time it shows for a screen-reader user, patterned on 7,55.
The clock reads 5,42
